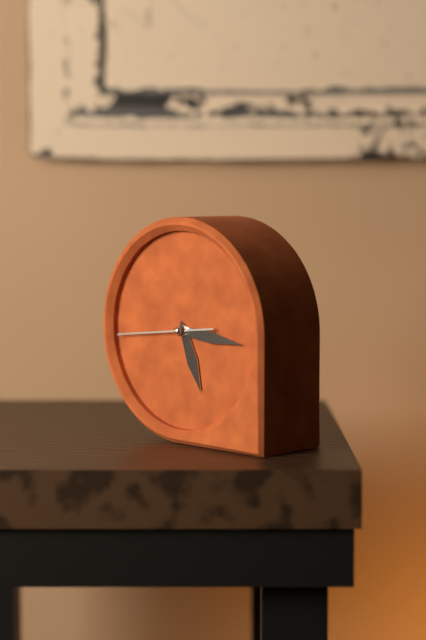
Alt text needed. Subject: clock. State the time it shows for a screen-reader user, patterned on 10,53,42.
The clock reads 5,16,44
